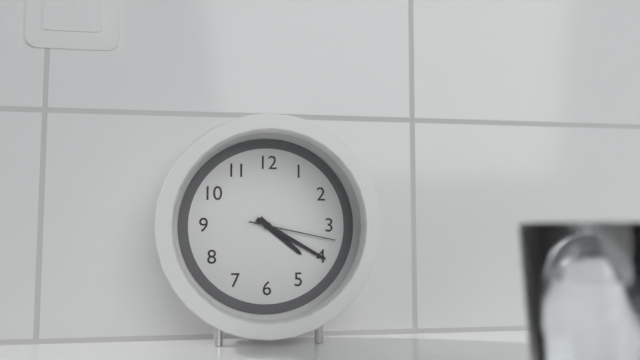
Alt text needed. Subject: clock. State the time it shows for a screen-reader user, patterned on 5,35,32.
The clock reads 4,20,17
